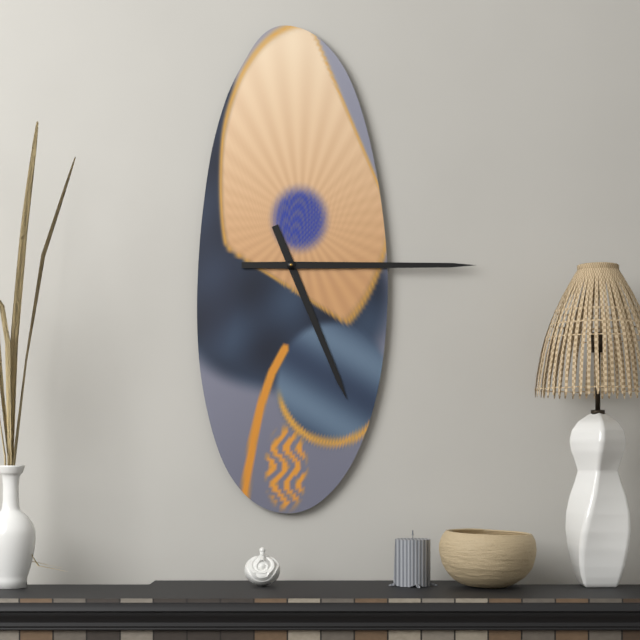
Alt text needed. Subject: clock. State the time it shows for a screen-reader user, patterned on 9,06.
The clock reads 5,15
